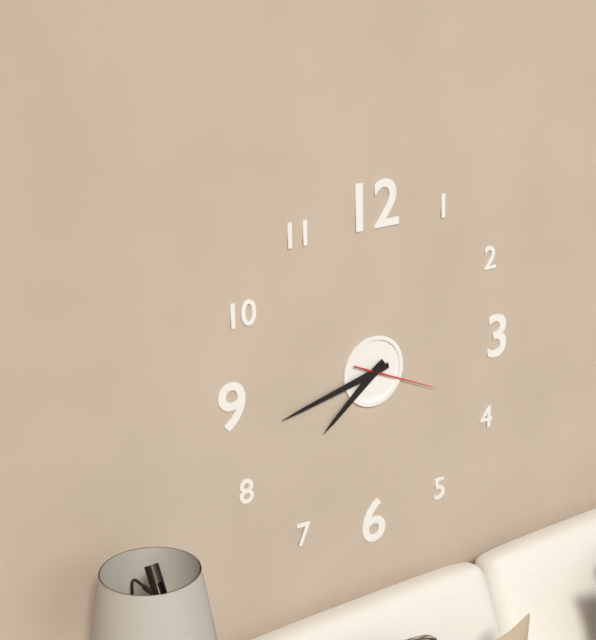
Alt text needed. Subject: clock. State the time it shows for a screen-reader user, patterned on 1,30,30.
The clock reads 7,43,19
